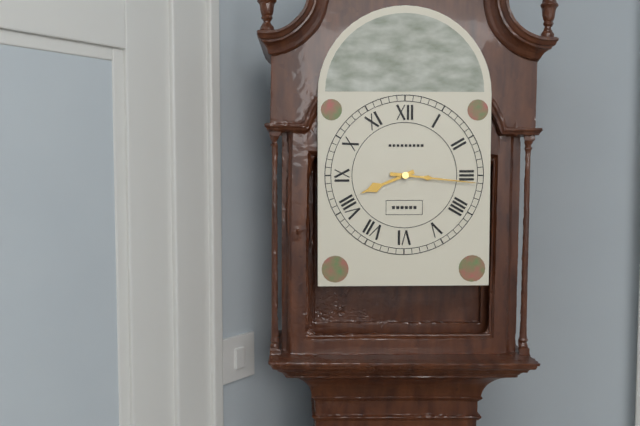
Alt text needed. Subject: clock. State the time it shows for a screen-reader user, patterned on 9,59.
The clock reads 8,16
